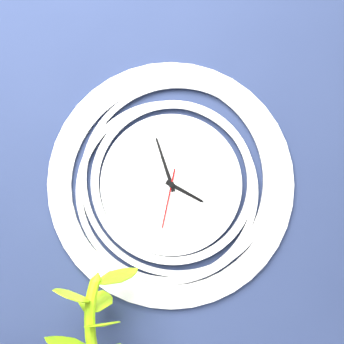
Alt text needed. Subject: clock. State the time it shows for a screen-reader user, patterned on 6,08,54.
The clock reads 3,57,32
